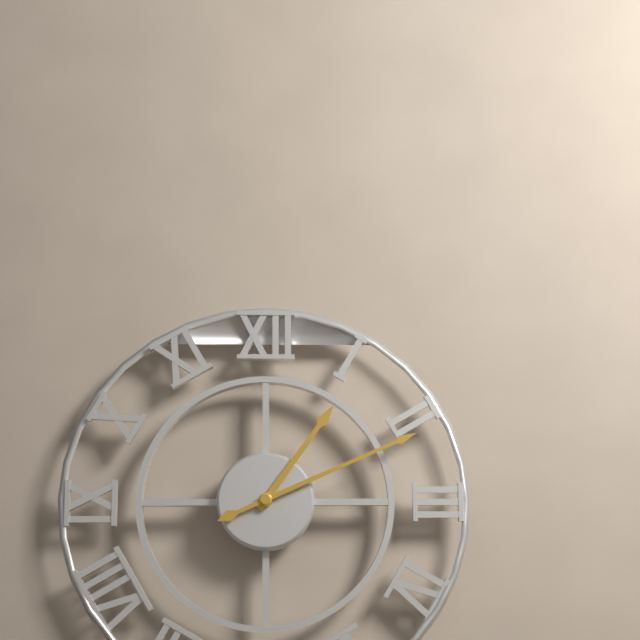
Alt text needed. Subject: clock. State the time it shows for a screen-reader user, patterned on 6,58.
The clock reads 1,11
